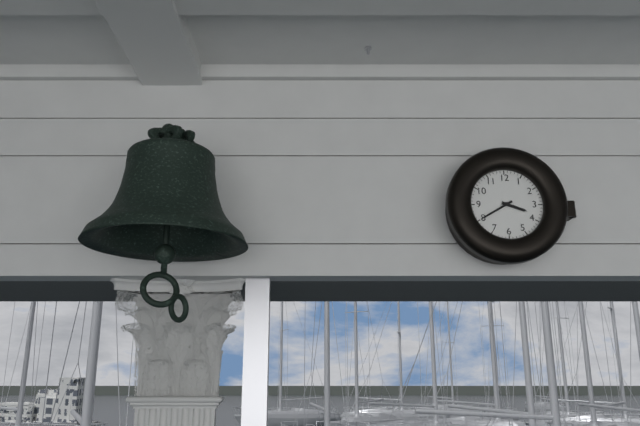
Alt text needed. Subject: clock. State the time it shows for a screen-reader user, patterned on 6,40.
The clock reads 3,40
